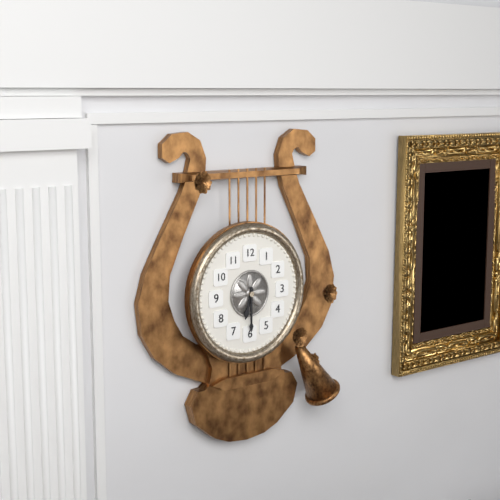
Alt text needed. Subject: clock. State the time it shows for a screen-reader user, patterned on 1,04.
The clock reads 6,30
